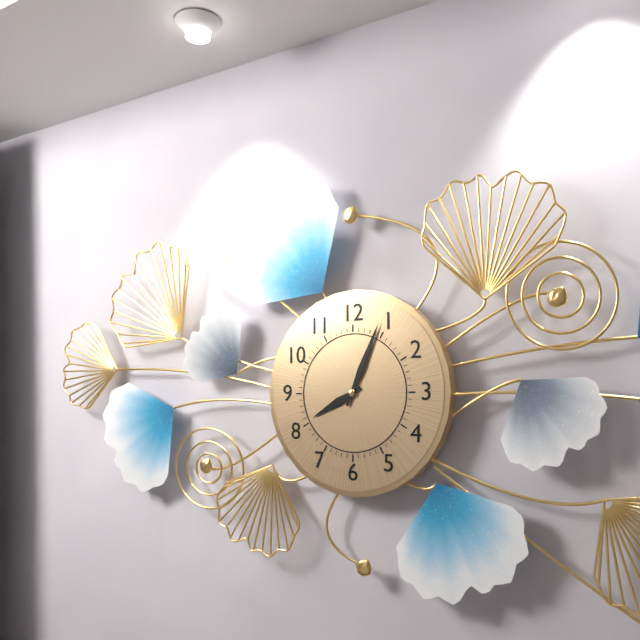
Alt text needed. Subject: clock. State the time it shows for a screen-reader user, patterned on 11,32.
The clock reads 8,04
